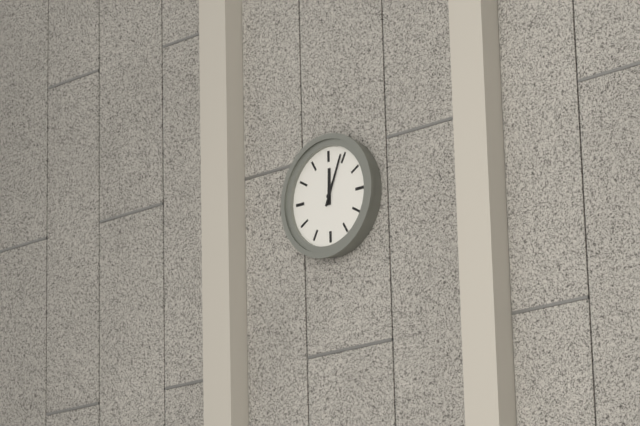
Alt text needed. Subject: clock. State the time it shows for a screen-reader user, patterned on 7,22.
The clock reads 12,04
